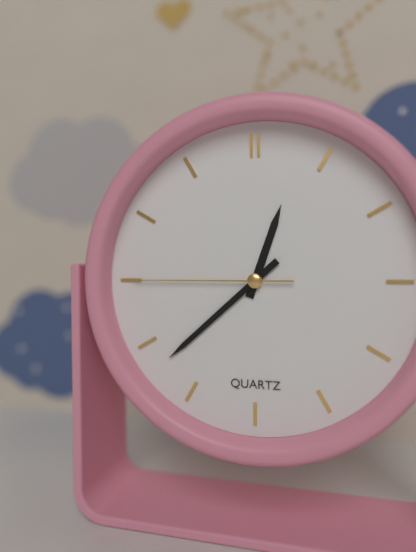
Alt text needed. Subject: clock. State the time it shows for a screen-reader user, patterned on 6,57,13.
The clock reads 12,38,45
